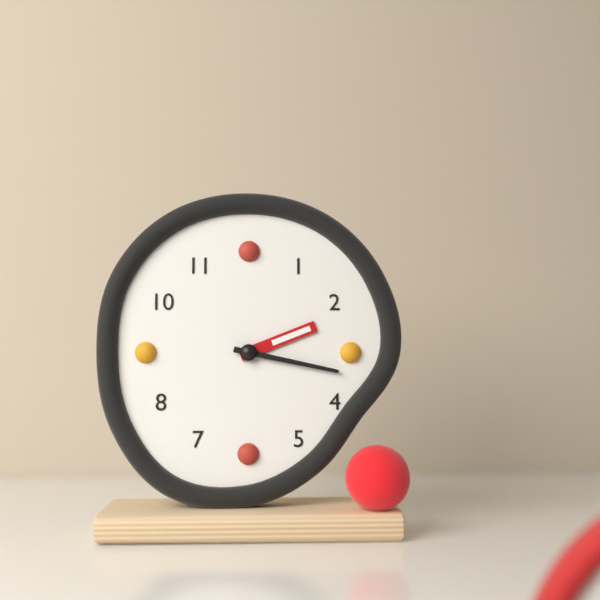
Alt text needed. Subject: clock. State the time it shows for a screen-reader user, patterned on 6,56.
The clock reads 2,17
